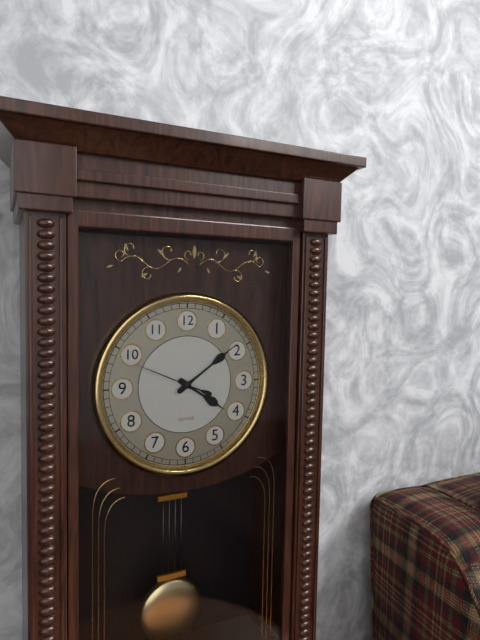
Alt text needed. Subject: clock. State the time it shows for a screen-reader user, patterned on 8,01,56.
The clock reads 4,09,49
